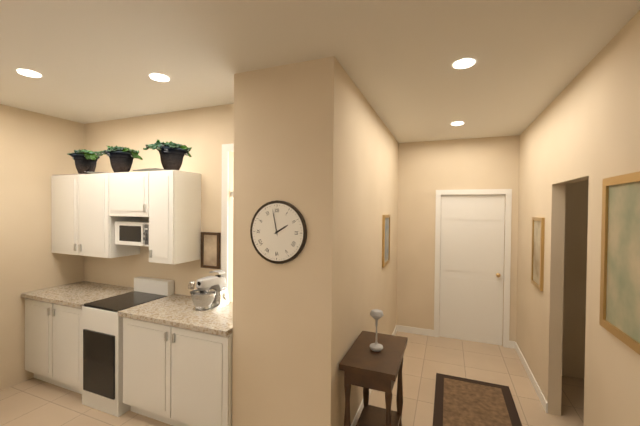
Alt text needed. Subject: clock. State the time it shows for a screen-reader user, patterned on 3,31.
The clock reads 1,58
